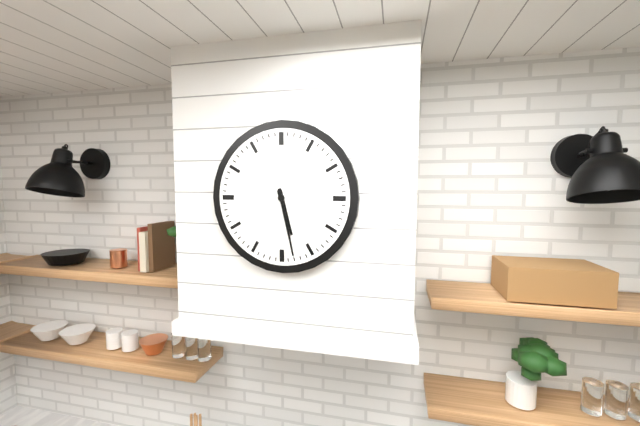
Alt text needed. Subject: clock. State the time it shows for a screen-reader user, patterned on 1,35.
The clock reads 5,28
